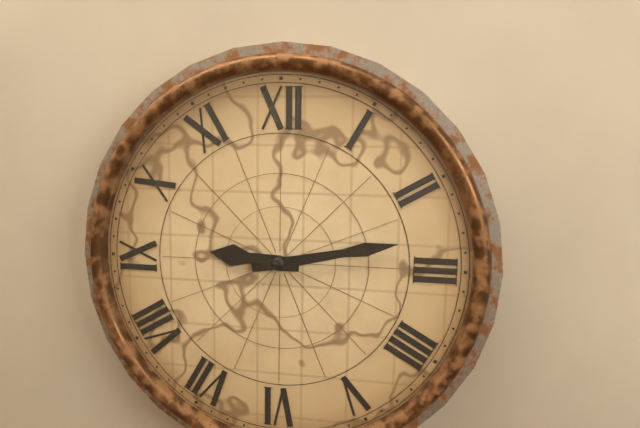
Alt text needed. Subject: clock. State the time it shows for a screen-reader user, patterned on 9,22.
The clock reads 9,13
